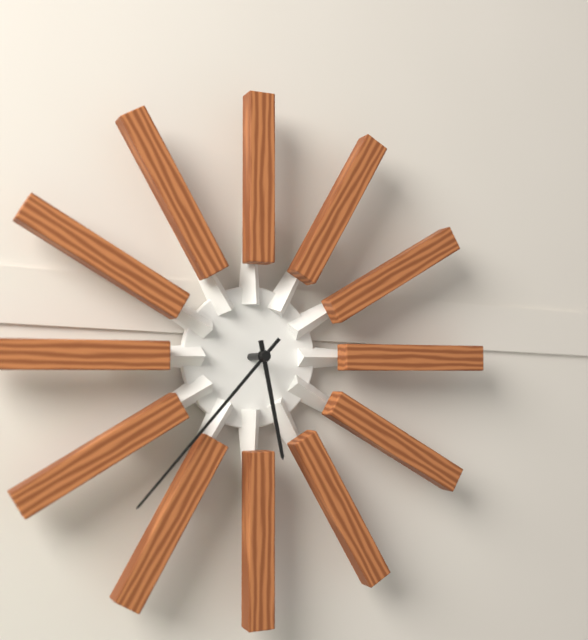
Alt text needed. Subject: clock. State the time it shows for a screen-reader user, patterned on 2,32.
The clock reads 5,37
